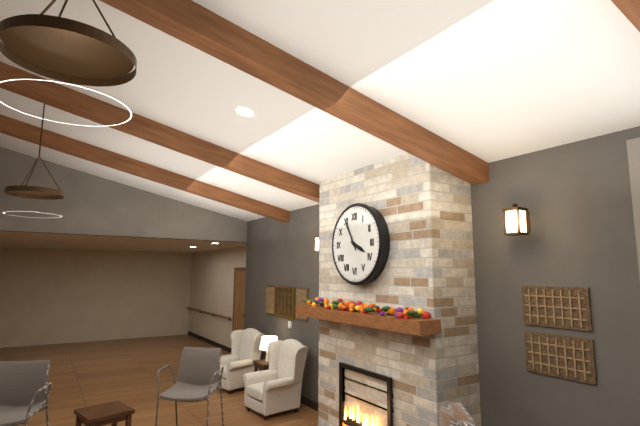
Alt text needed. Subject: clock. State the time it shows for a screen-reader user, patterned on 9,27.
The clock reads 3,55
